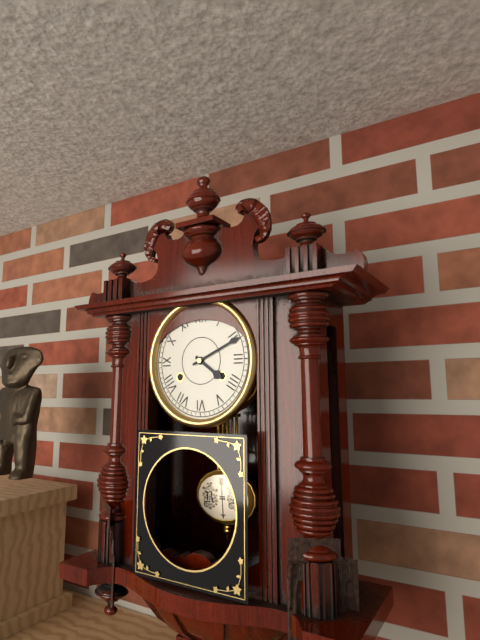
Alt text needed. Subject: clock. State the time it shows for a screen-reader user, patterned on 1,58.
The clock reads 4,11
